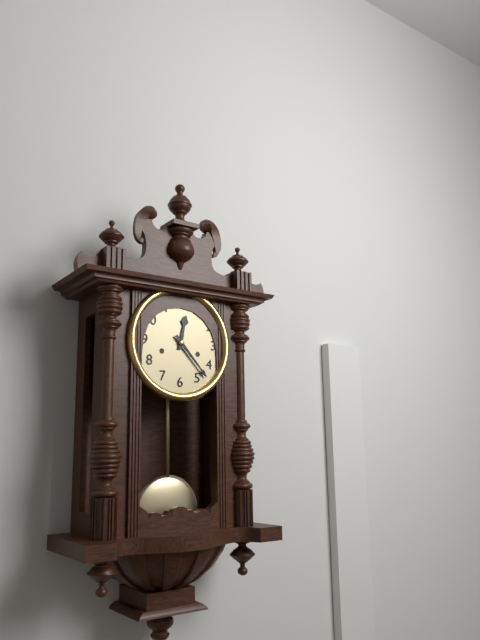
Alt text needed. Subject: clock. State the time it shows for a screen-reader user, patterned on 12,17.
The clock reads 12,23
